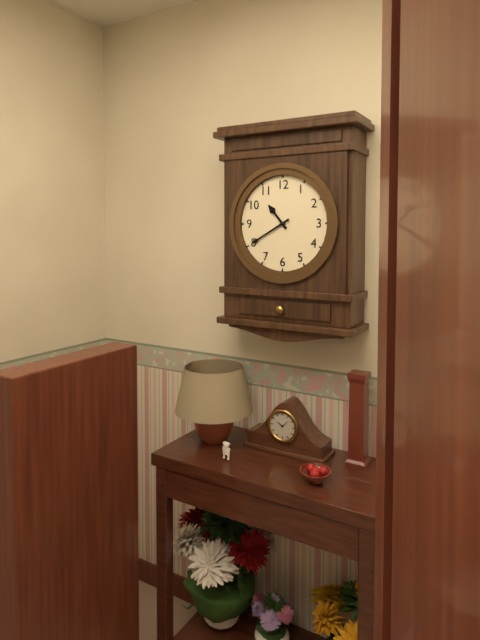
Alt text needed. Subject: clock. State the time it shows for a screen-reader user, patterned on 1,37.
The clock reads 10,40
